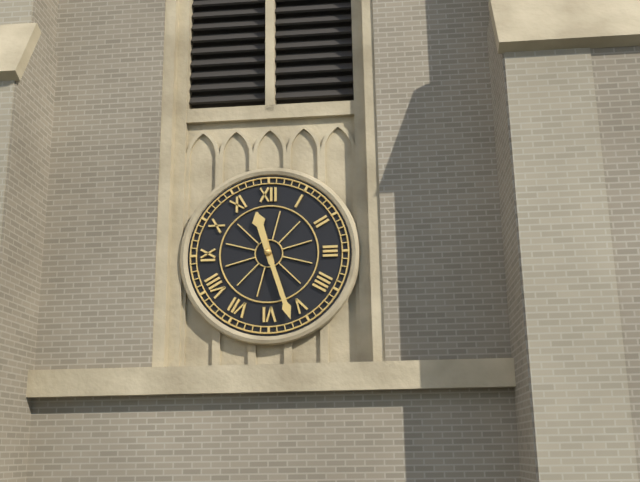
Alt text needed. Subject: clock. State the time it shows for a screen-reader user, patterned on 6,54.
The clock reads 11,27
